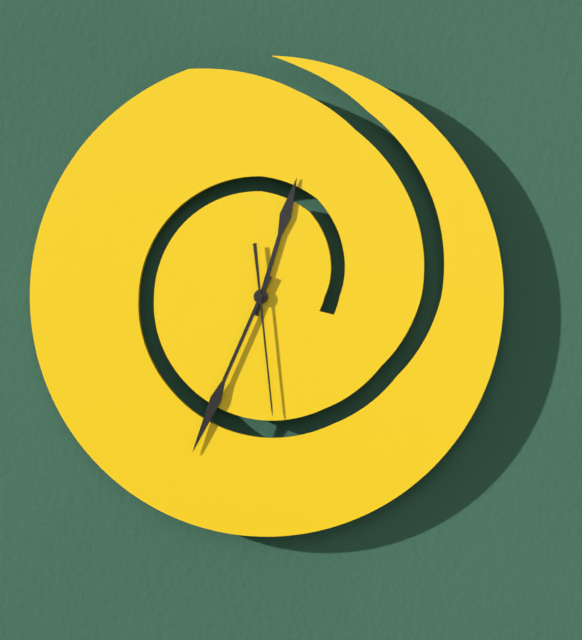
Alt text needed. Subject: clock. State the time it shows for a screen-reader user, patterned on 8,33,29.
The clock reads 12,34,29
